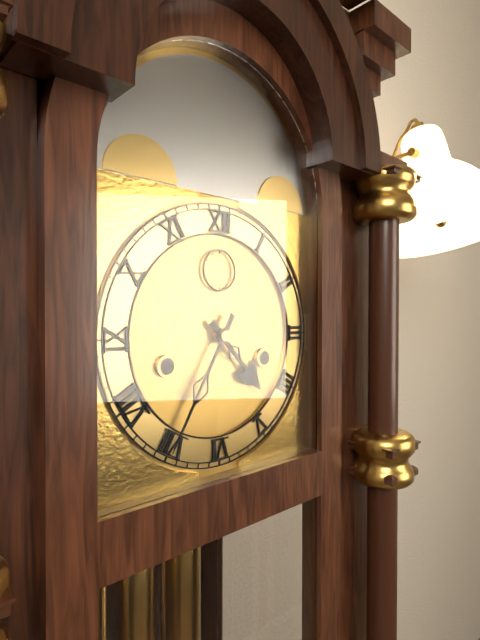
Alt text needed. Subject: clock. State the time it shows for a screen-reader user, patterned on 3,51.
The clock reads 4,35
